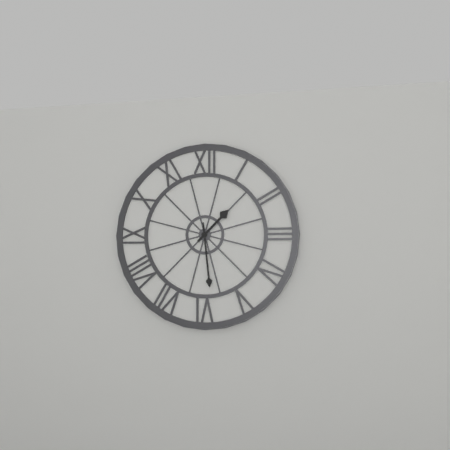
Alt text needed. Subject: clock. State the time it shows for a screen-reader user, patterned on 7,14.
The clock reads 1,29
